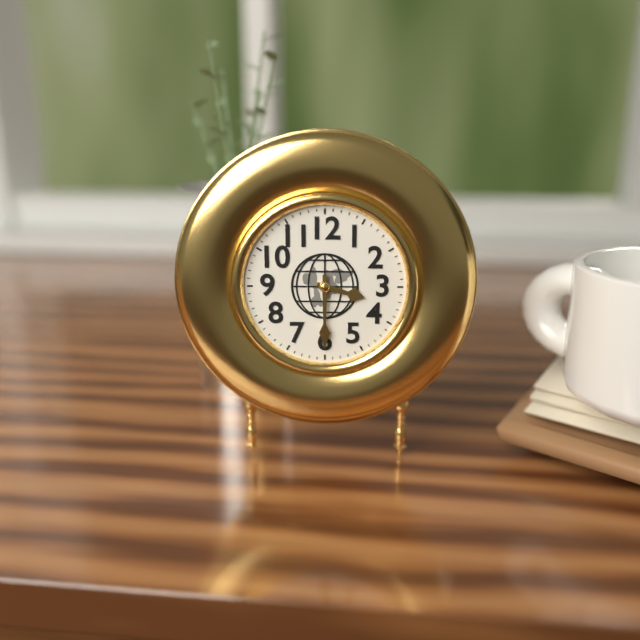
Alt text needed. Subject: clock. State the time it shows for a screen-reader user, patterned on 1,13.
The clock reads 3,30
